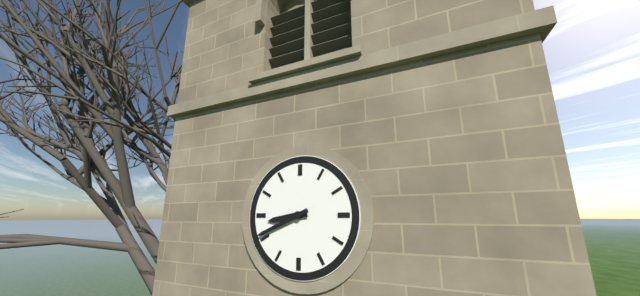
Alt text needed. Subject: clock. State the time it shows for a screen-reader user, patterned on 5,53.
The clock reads 8,41
